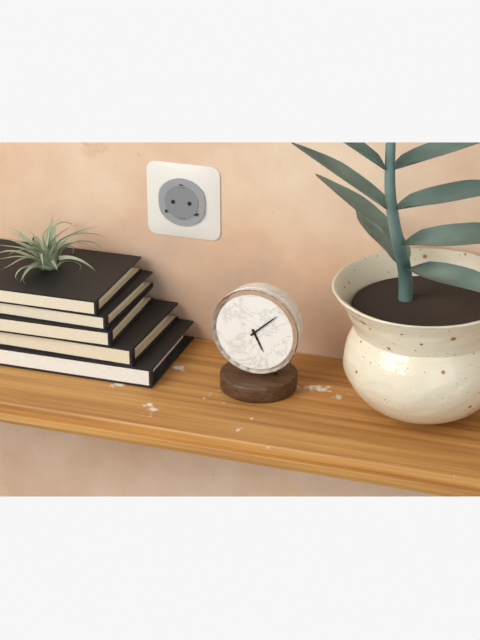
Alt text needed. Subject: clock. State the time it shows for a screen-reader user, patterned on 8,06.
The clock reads 5,08
